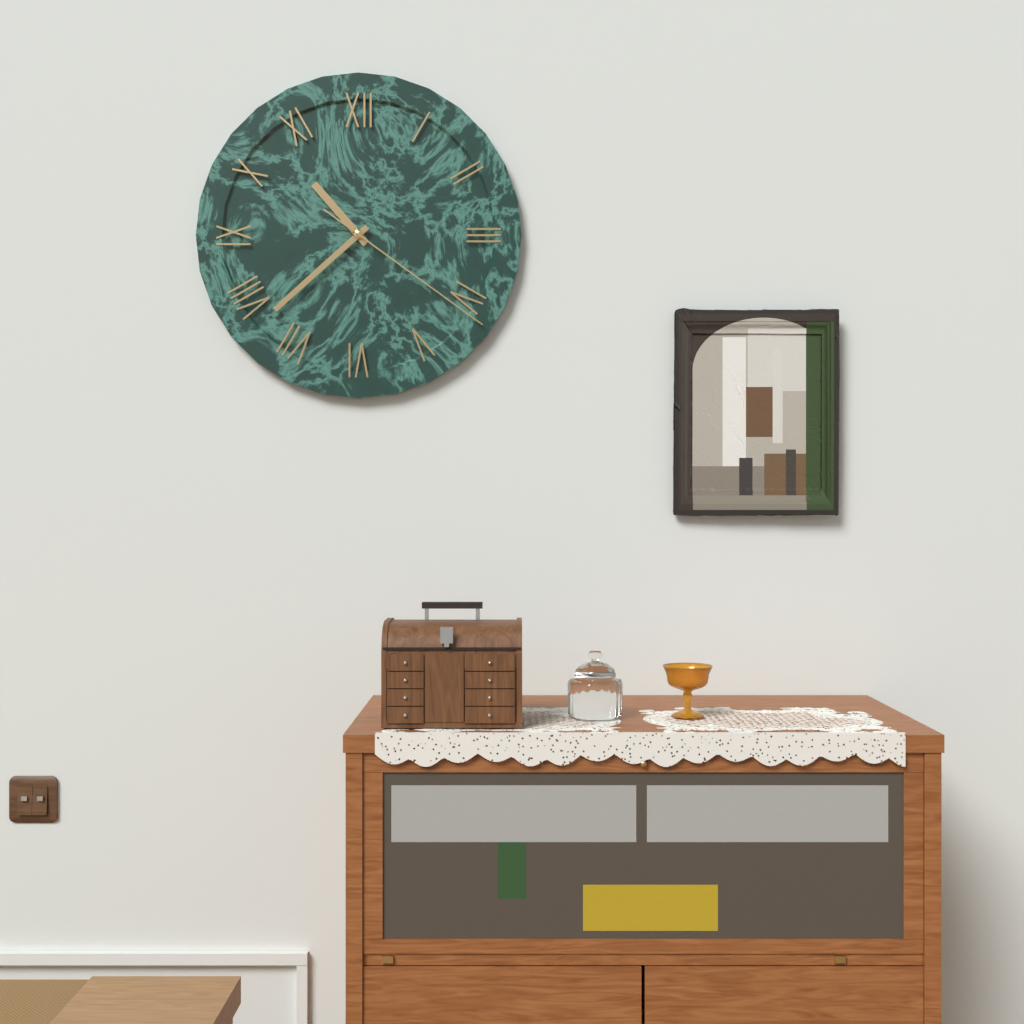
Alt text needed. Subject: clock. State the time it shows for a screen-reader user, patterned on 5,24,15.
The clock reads 10,38,21
